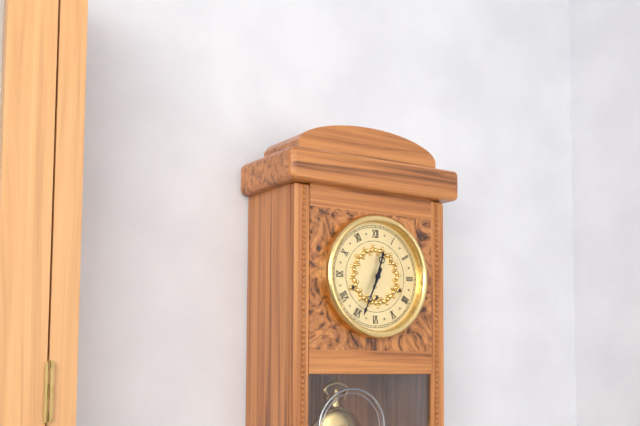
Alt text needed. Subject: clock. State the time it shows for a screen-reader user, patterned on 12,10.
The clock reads 12,34
